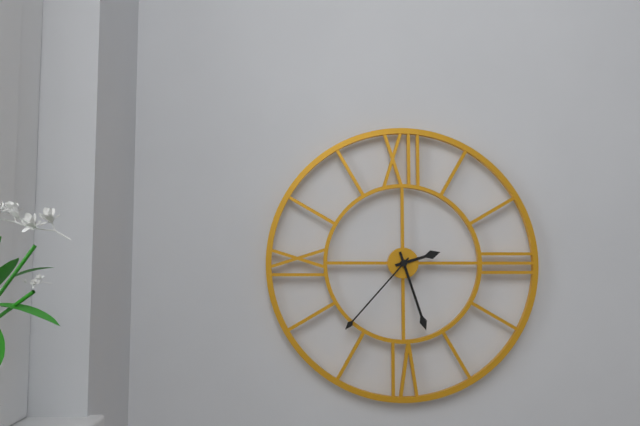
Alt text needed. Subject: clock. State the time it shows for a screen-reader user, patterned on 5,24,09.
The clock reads 2,27,37
